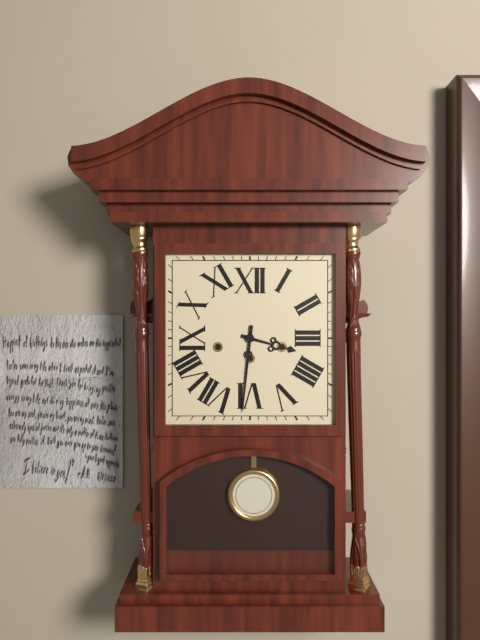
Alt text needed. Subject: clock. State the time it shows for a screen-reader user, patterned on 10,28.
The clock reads 3,31
